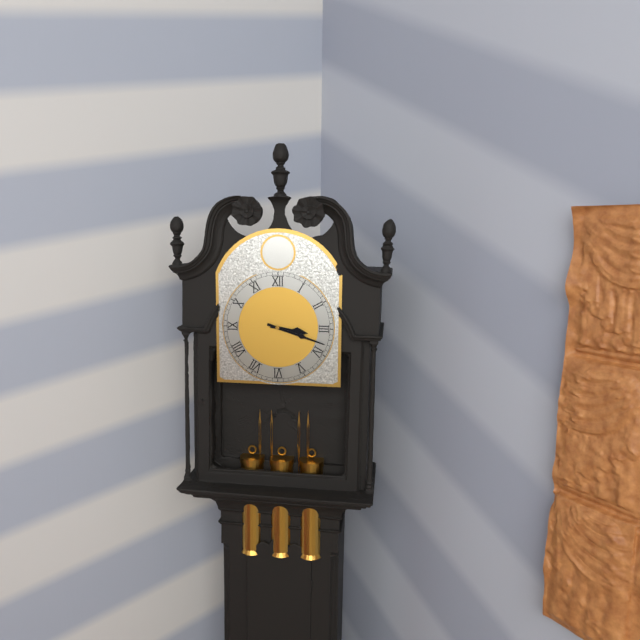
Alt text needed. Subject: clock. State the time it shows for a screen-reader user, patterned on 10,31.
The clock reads 3,18
